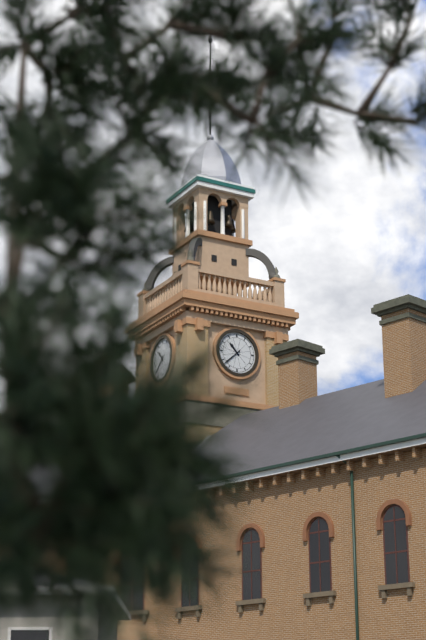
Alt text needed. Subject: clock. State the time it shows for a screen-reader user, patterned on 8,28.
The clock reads 10,38
